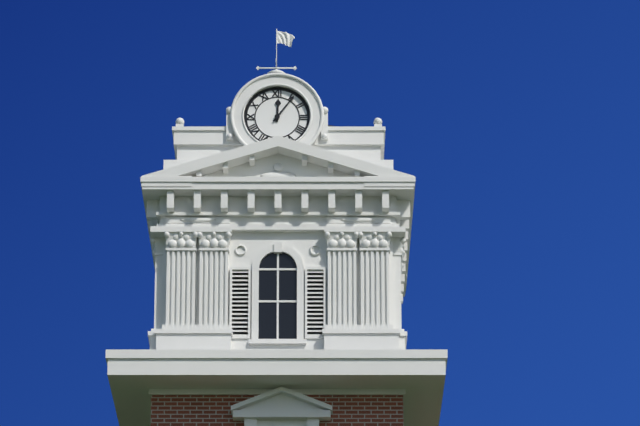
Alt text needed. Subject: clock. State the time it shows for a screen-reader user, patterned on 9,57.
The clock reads 12,06
